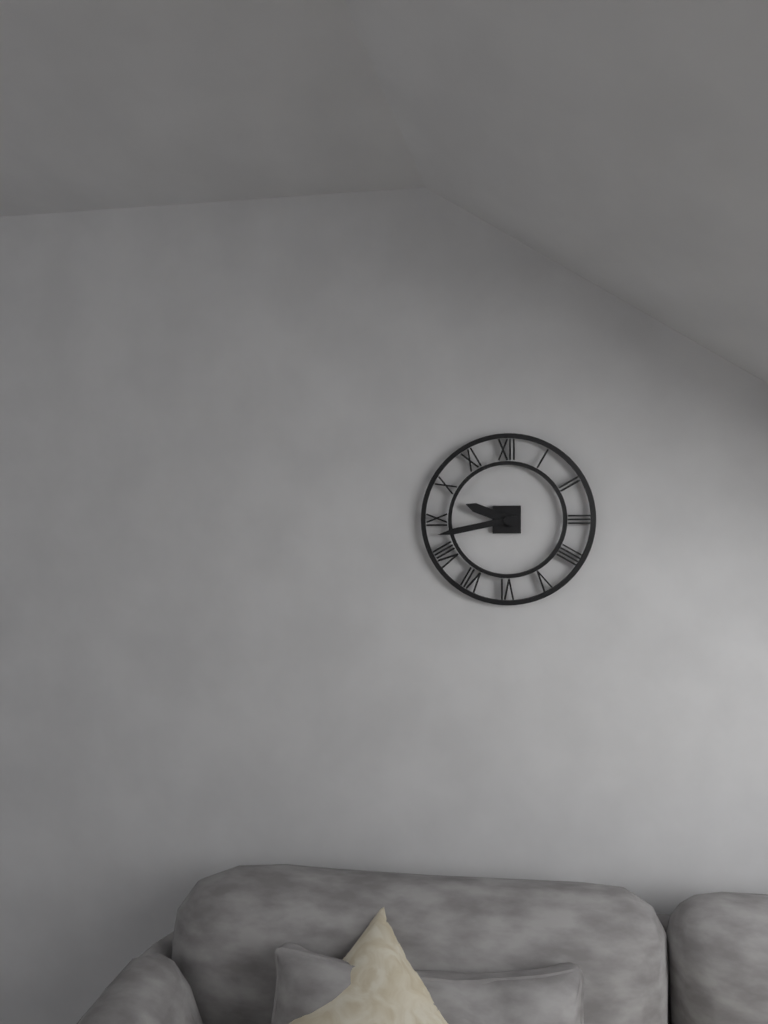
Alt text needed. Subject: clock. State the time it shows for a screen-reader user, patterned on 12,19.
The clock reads 9,43
